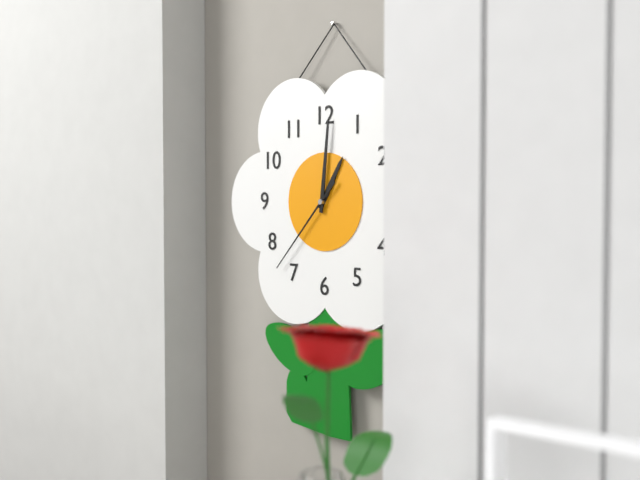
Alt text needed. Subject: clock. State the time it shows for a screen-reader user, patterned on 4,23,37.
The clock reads 1,01,37
